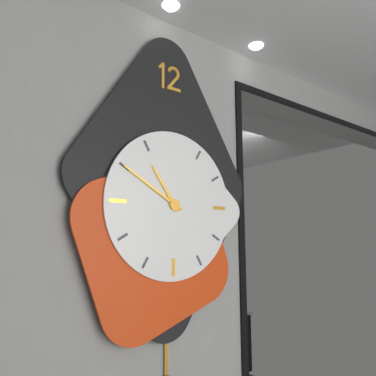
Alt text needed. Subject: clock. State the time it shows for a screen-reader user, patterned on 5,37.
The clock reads 10,50
